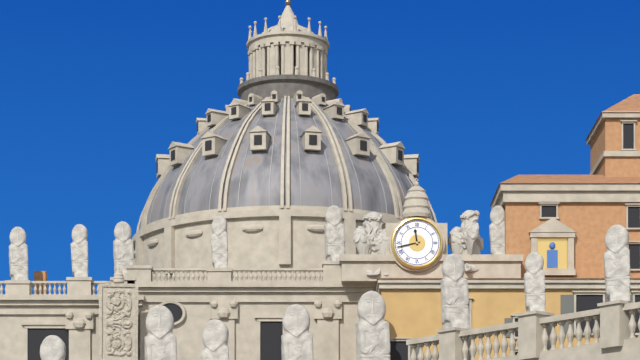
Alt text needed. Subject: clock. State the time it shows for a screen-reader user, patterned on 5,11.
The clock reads 11,43
